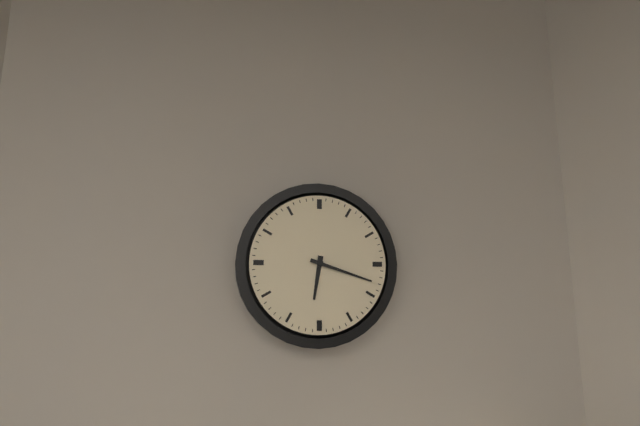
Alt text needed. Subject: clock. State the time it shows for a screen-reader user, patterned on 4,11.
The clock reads 6,18
